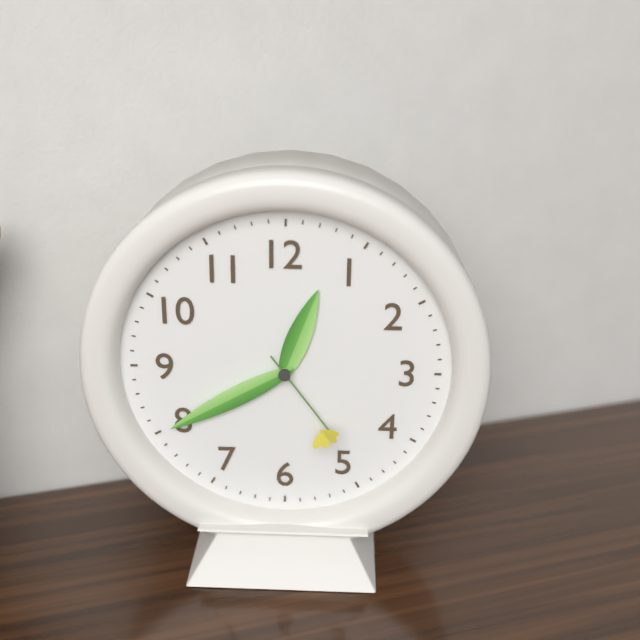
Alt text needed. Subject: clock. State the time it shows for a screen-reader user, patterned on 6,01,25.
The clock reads 12,40,24
